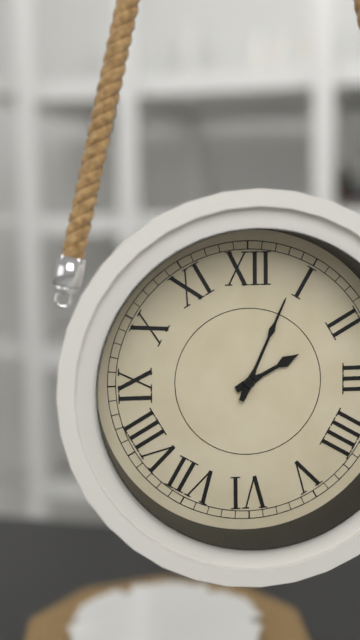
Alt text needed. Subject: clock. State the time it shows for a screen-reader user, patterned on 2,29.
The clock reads 2,04
